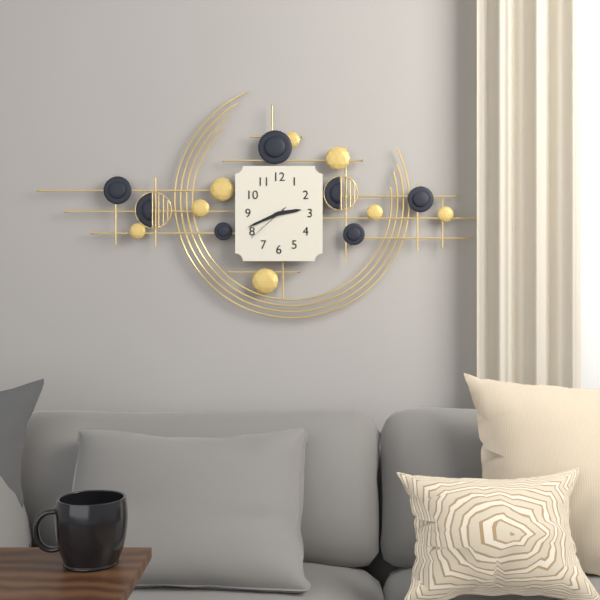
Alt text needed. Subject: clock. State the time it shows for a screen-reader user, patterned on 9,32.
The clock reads 2,41
